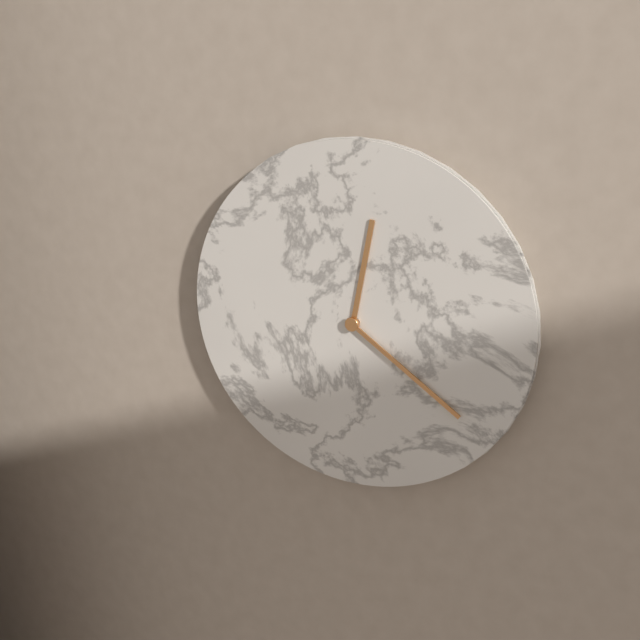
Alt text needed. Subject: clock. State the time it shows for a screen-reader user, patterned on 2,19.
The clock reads 12,21
